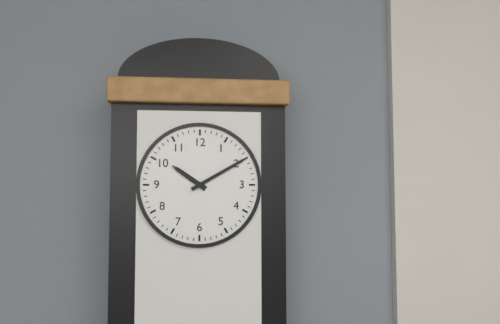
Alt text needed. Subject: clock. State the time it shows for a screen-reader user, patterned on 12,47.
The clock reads 10,10
